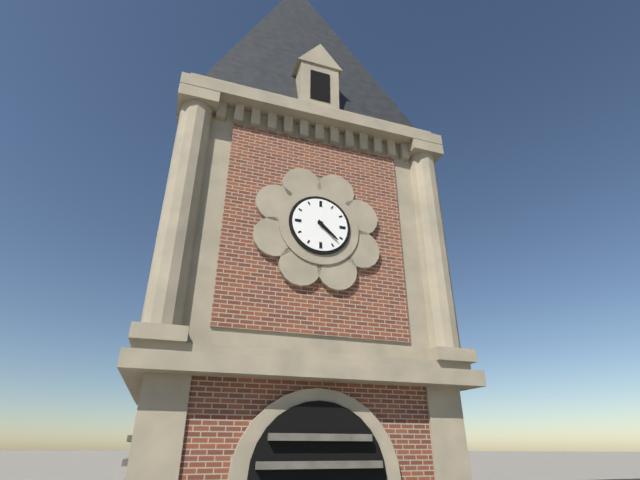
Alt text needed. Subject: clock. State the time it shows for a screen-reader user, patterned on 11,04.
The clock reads 4,22
